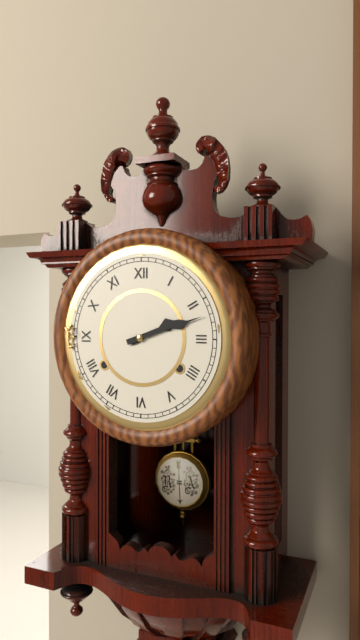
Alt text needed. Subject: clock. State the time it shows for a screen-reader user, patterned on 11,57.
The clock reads 2,12
